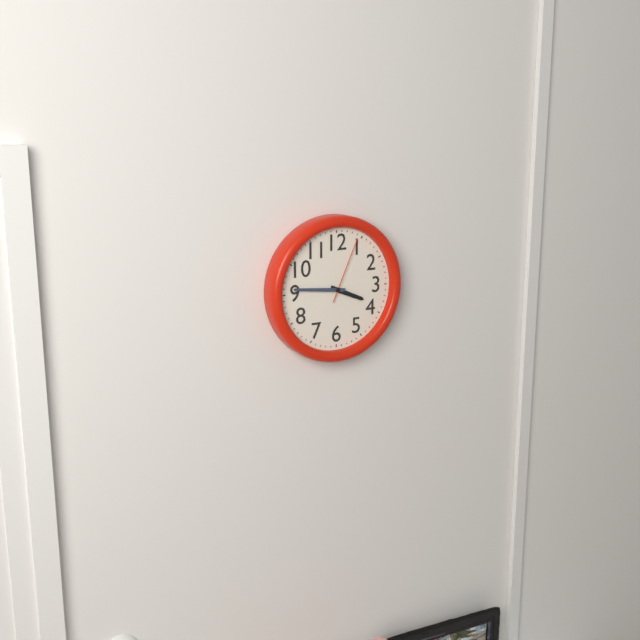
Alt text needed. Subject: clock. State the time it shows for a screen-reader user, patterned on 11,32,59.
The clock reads 3,46,04
